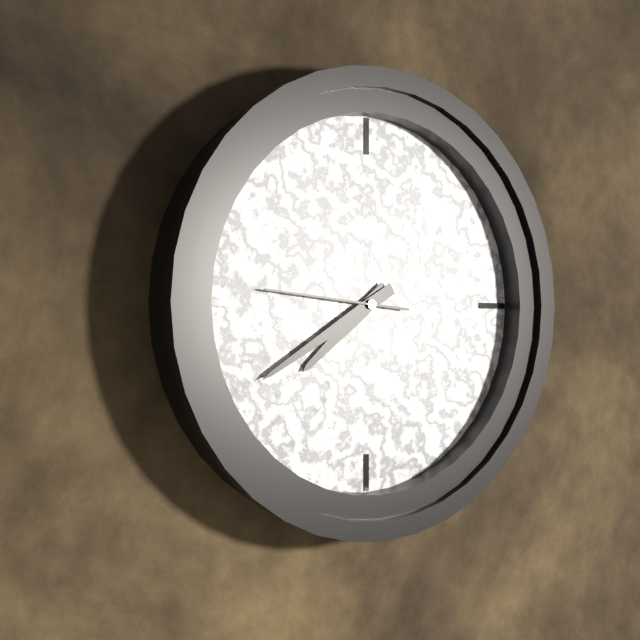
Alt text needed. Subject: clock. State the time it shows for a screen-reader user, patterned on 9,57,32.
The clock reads 7,40,46
